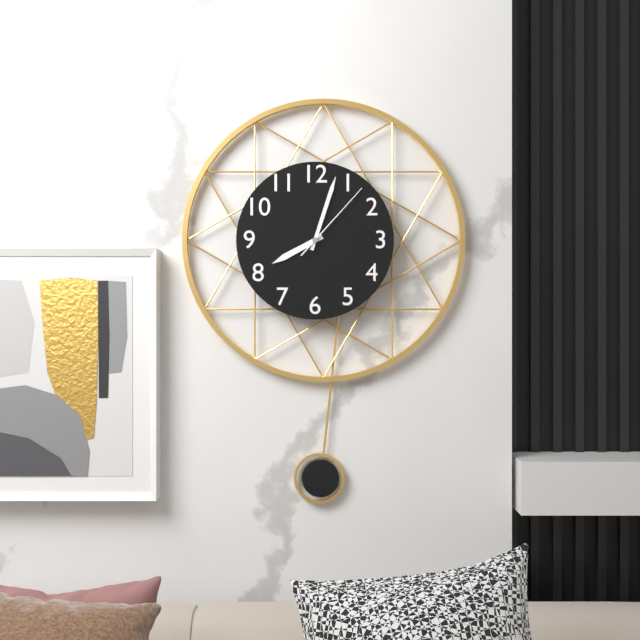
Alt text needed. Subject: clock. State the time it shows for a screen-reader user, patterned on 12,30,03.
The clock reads 8,03,07
